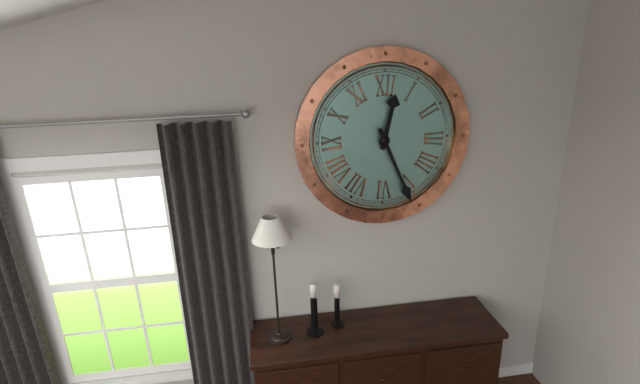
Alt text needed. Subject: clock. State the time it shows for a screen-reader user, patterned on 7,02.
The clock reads 12,26
